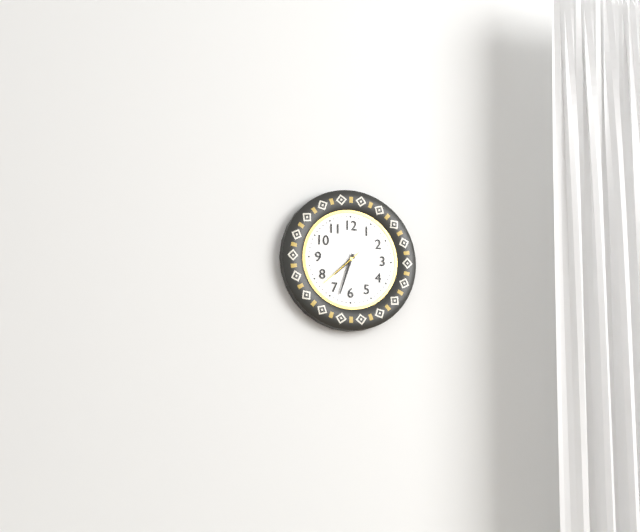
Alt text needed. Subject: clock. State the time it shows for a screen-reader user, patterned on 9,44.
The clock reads 7,33
